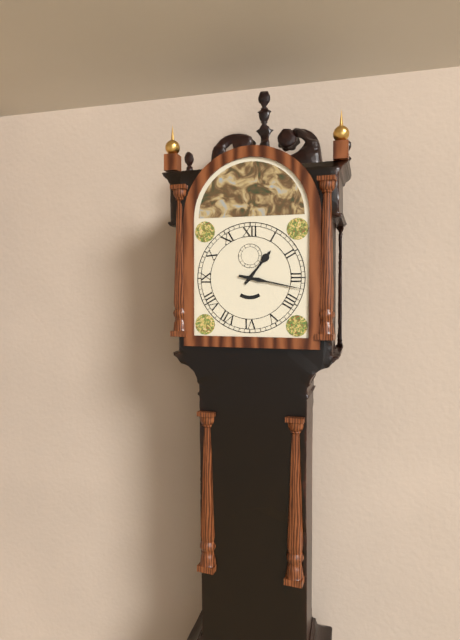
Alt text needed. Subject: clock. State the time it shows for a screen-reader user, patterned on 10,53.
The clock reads 1,17
